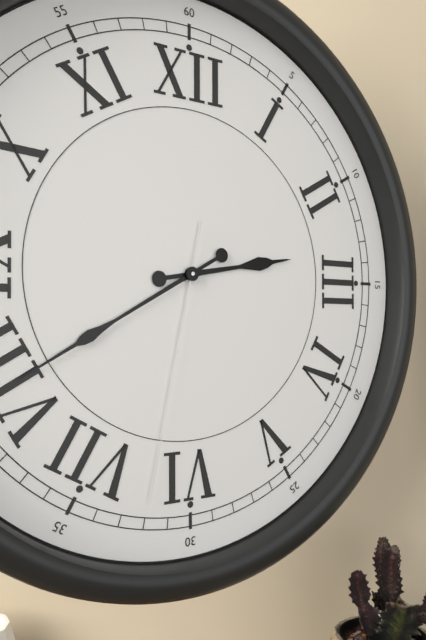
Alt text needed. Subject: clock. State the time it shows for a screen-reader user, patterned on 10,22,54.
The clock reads 2,40,32
